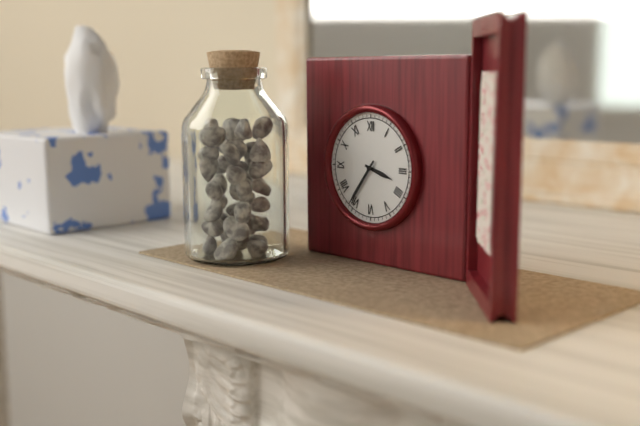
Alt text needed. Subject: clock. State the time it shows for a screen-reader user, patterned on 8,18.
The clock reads 3,36
